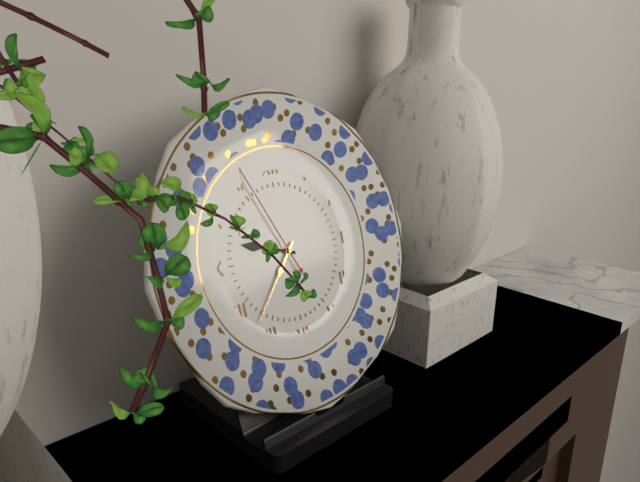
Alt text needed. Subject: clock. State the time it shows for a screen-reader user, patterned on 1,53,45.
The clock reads 9,37,56
